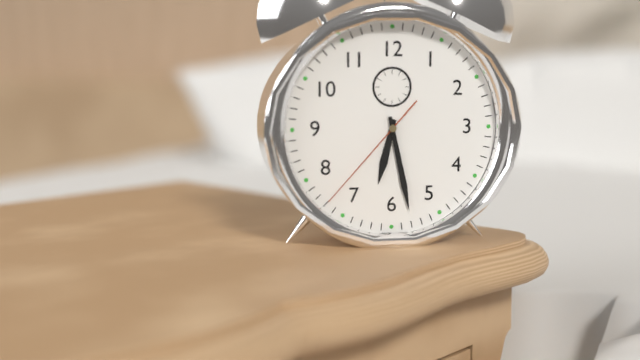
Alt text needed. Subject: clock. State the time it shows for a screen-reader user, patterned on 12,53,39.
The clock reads 6,28,37
